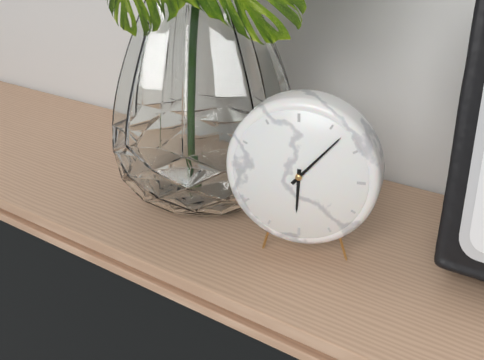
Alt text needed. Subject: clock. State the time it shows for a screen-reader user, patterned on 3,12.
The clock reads 6,07
